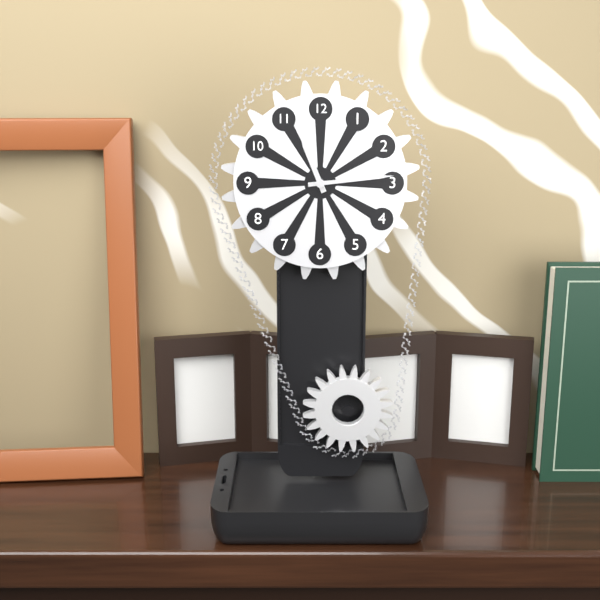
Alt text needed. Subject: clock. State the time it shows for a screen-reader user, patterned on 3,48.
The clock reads 11,14
